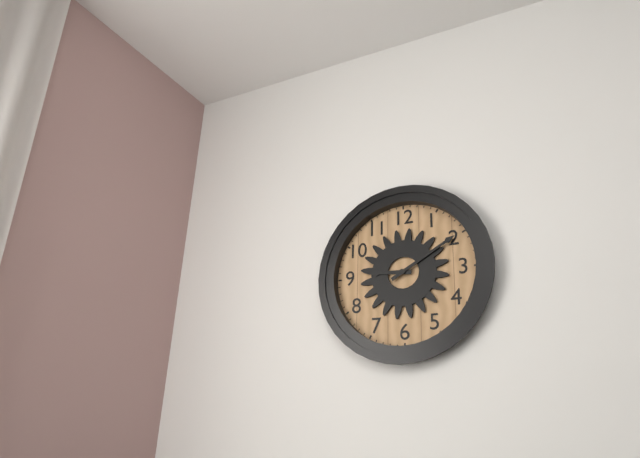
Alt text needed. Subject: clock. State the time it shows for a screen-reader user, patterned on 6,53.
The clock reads 9,10
